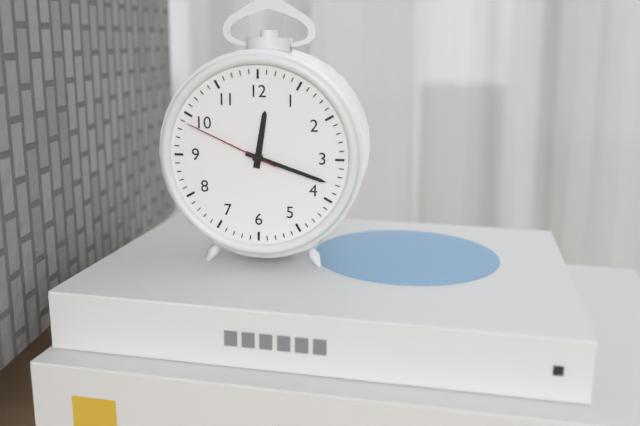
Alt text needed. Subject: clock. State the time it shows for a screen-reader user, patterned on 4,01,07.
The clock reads 12,18,49
